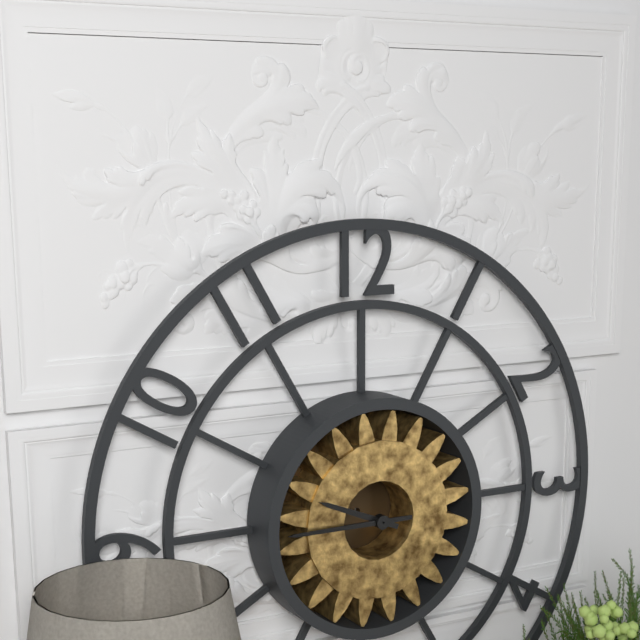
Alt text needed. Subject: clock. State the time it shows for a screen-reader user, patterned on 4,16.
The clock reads 9,45
